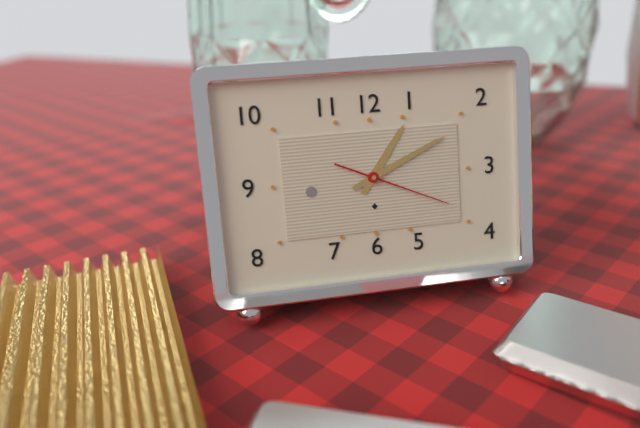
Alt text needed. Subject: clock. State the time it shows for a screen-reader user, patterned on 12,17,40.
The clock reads 1,11,19
